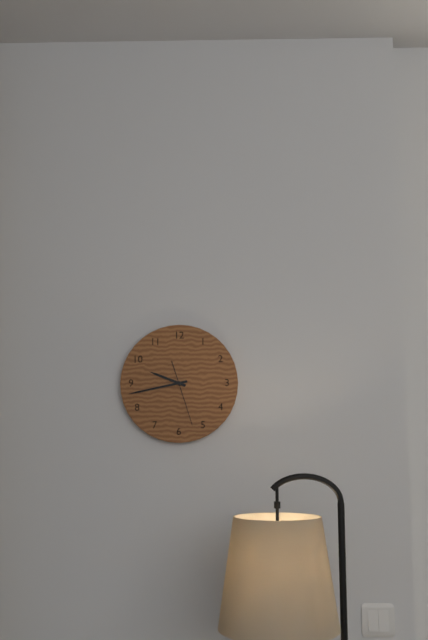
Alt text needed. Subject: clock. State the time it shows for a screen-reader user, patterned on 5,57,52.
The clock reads 9,43,27
